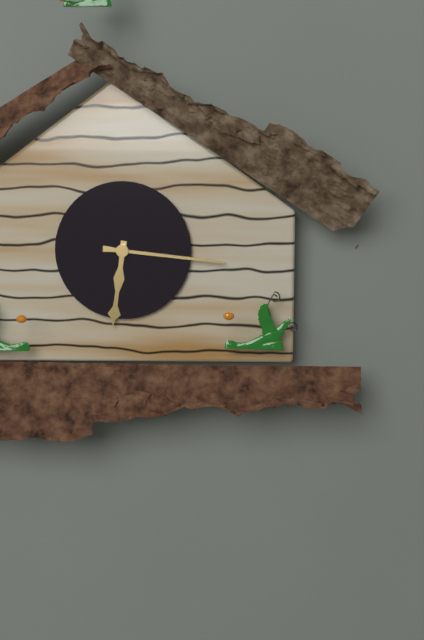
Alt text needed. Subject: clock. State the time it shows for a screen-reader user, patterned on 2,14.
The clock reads 6,16
